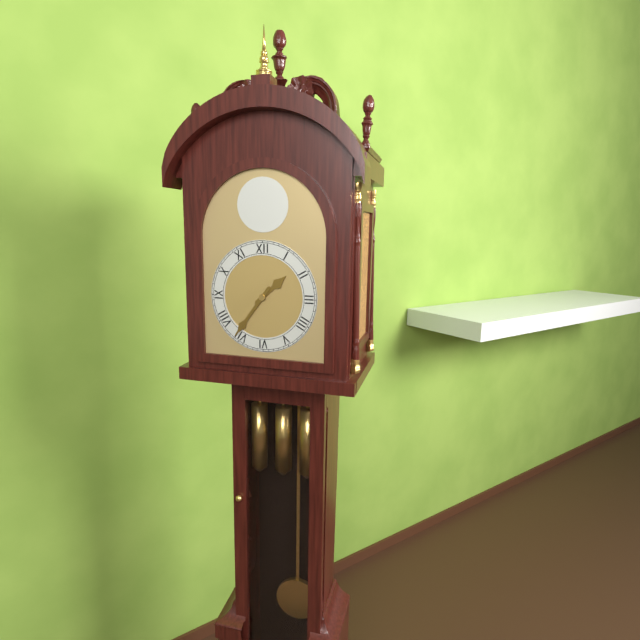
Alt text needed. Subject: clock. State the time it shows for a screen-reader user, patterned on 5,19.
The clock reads 1,36
